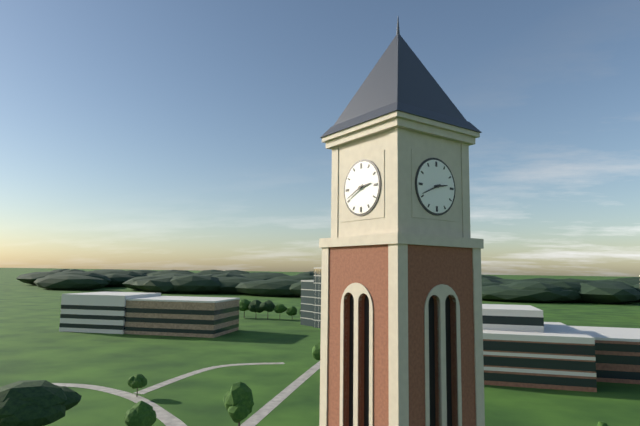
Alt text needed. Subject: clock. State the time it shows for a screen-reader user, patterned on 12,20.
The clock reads 2,41
